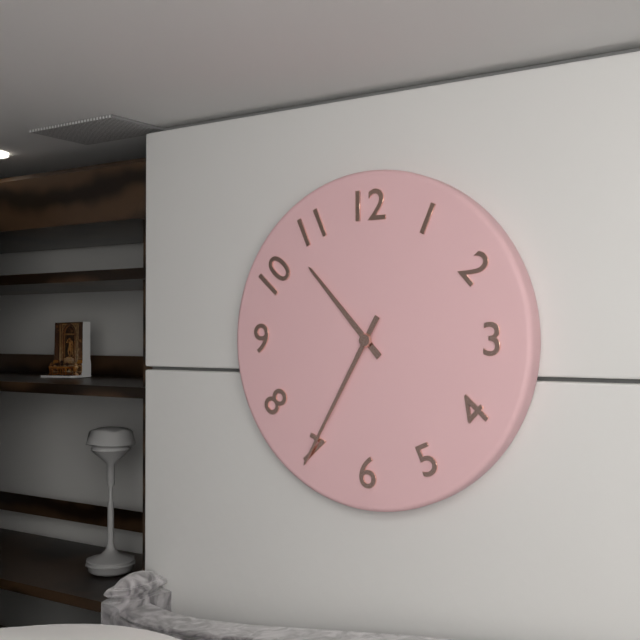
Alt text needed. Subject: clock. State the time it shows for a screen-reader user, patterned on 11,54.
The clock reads 10,35
